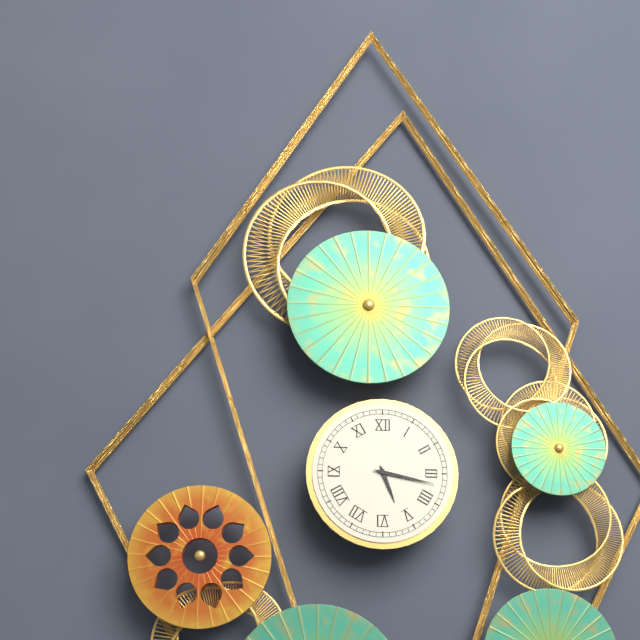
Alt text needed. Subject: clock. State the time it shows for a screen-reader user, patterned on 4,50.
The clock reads 5,17
